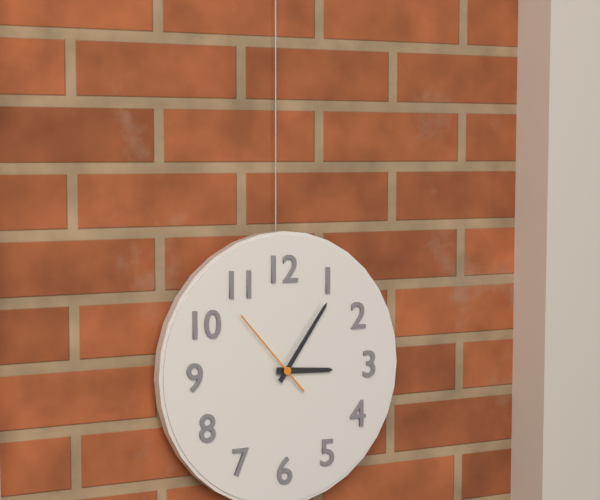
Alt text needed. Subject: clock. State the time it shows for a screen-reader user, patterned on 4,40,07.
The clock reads 3,06,53
